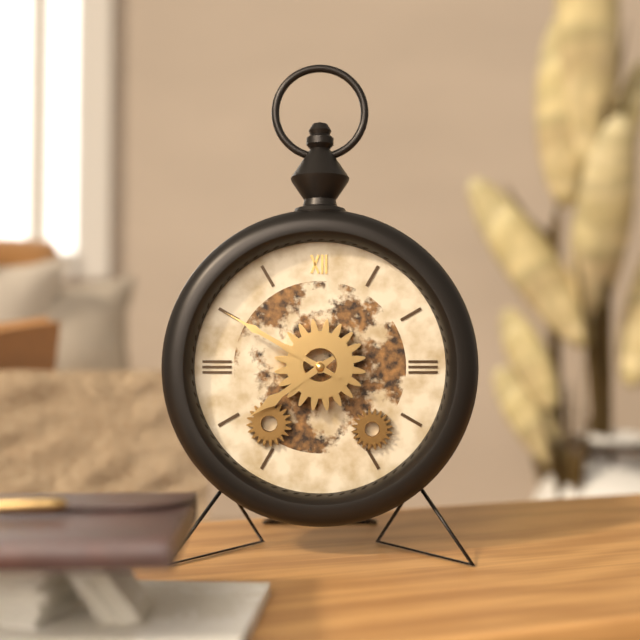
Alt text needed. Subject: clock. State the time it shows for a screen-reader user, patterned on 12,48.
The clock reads 7,50
